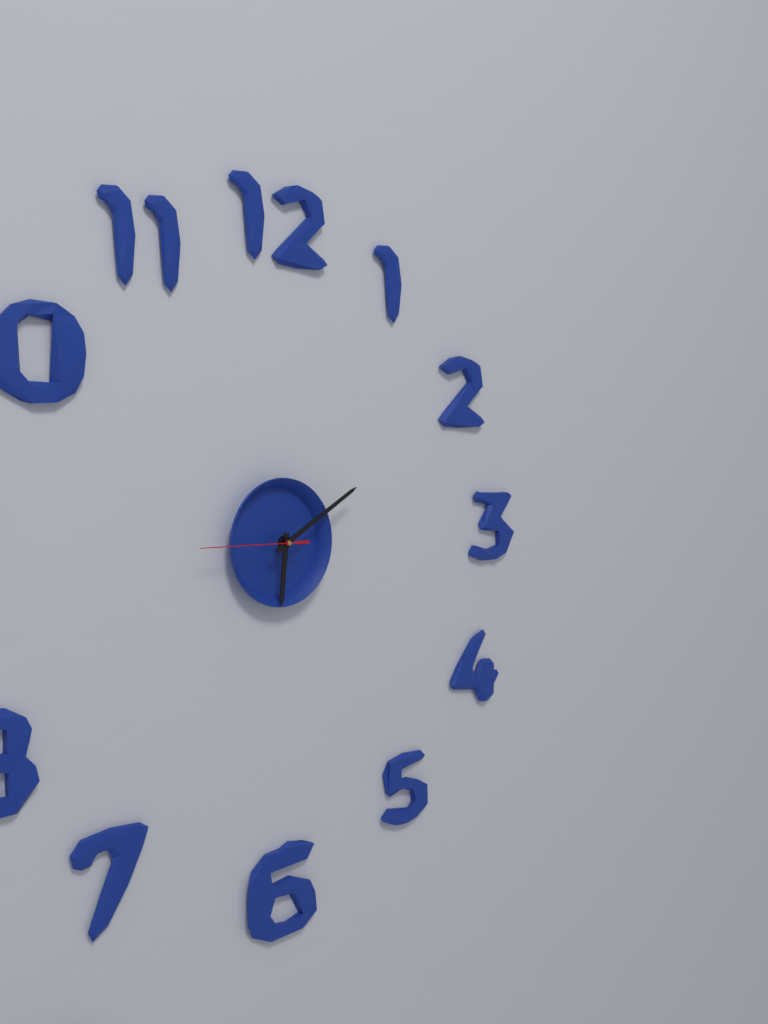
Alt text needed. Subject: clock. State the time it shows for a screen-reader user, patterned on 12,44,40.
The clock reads 6,10,45
